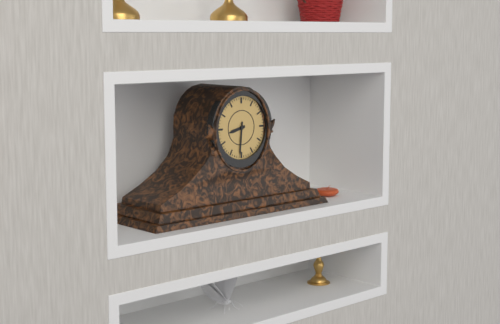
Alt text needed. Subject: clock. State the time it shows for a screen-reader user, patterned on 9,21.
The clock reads 8,31
